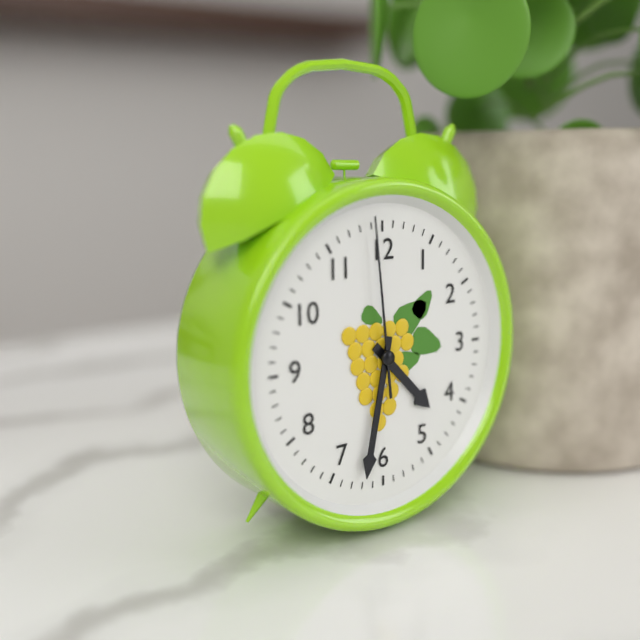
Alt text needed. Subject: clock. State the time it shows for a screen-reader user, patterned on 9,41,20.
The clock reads 4,32,59
